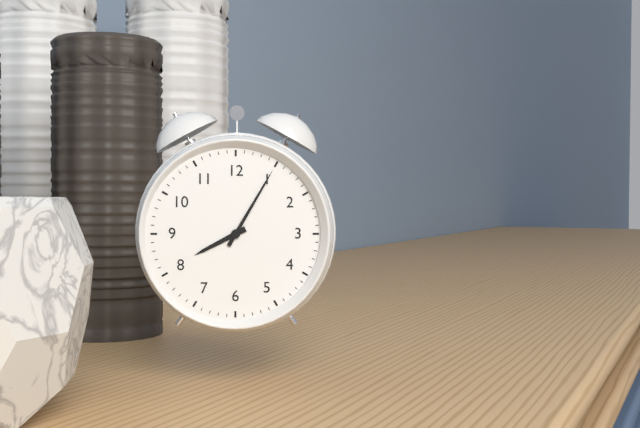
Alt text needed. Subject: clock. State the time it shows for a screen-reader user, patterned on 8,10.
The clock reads 8,05
